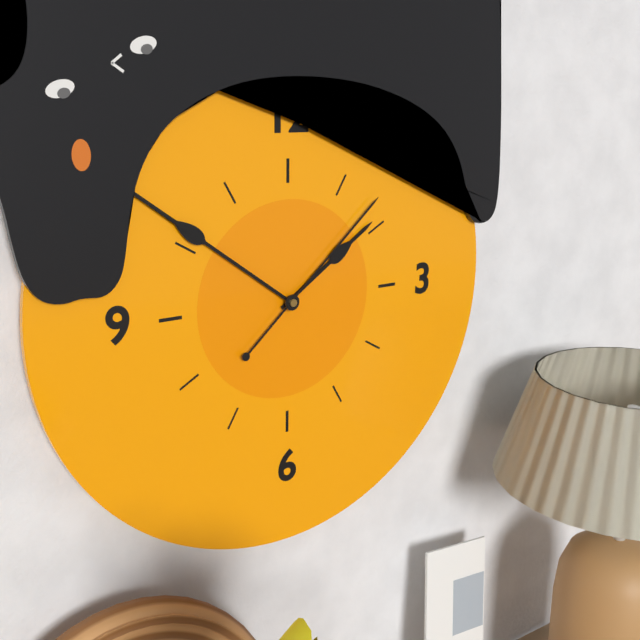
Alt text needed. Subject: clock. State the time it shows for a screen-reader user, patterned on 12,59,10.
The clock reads 1,51,08
